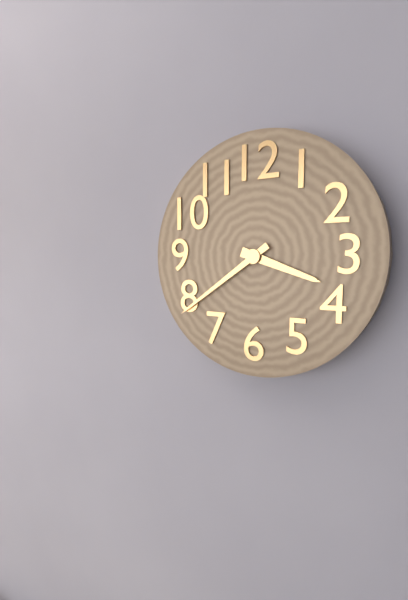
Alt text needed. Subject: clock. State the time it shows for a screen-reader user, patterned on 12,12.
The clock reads 3,39
